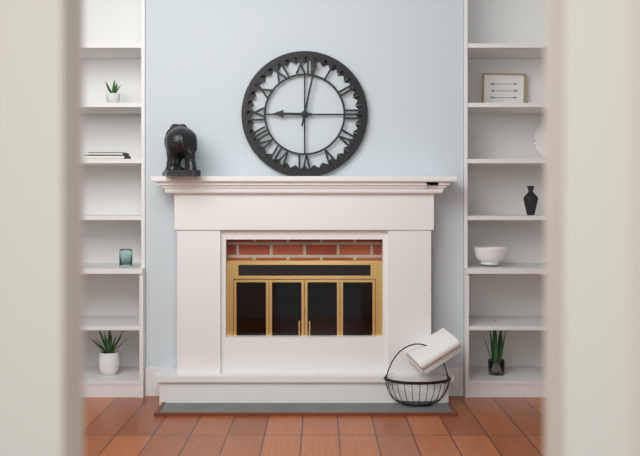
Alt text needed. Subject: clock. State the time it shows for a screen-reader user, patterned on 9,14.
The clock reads 9,02
